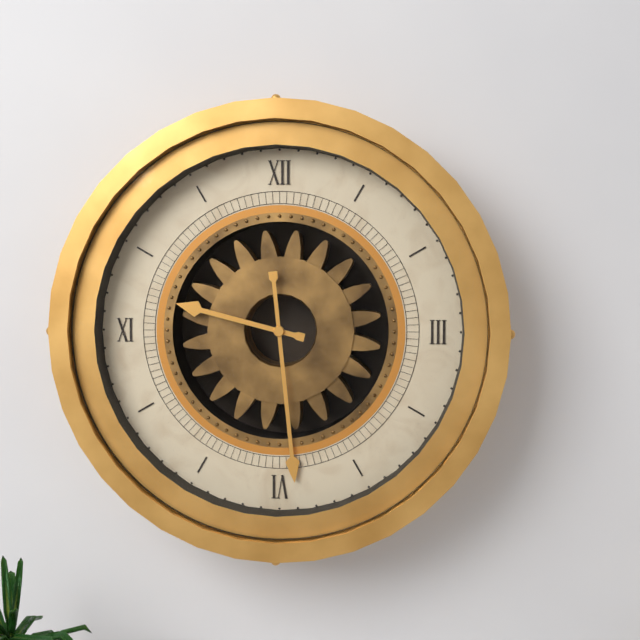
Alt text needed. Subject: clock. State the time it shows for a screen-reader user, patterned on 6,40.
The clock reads 9,29
